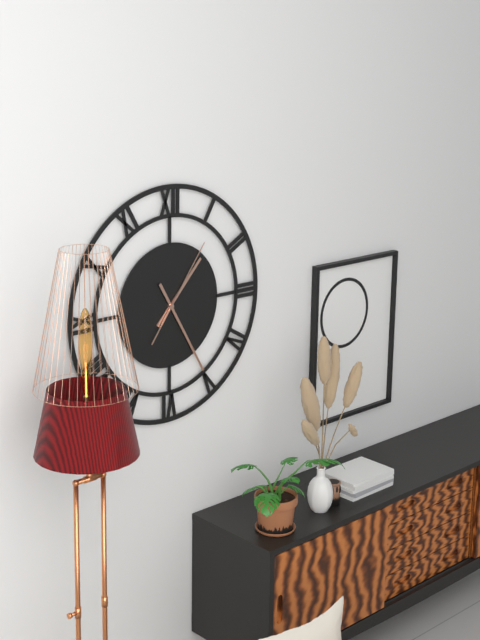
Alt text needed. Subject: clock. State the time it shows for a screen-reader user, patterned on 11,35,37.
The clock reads 1,25,06
